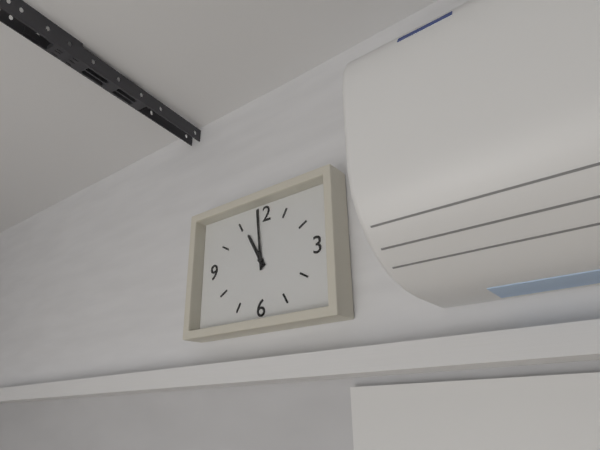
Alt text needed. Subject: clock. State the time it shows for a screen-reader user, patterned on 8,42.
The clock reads 10,59
